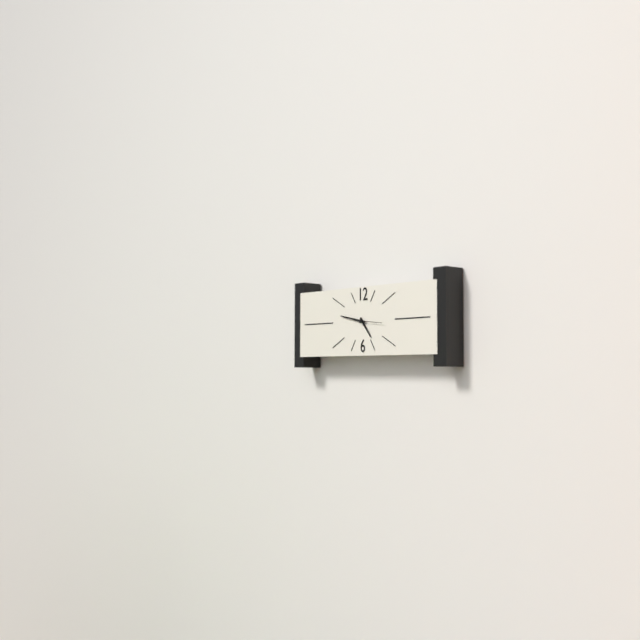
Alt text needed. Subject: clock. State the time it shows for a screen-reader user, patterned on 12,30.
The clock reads 4,47
